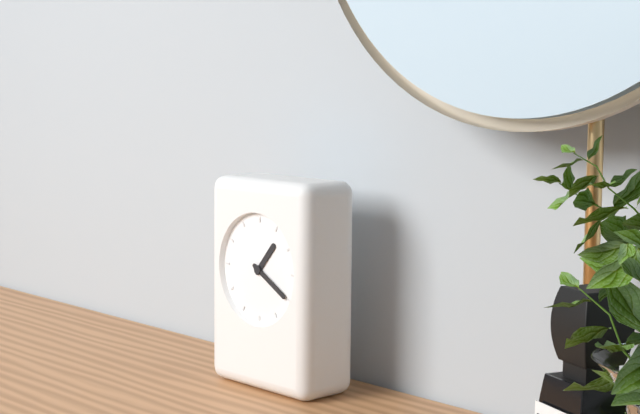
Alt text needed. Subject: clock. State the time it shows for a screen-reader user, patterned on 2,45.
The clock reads 1,20
